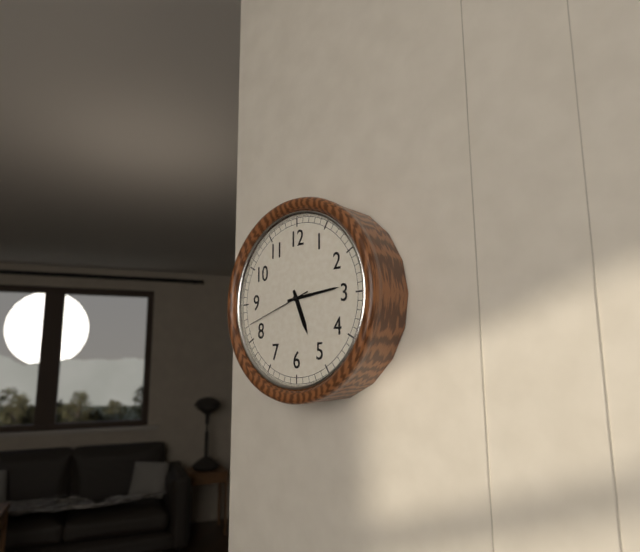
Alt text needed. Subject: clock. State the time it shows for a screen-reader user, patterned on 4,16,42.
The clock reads 5,14,42
